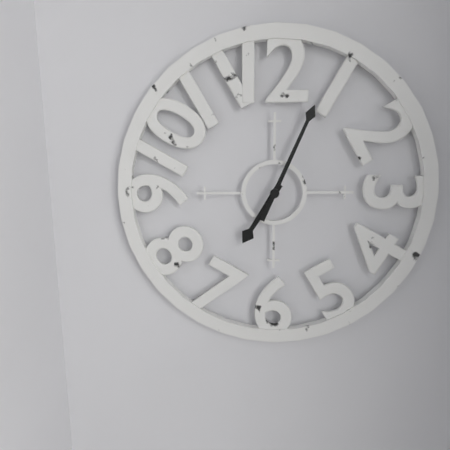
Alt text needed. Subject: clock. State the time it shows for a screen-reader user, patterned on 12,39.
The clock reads 7,04
